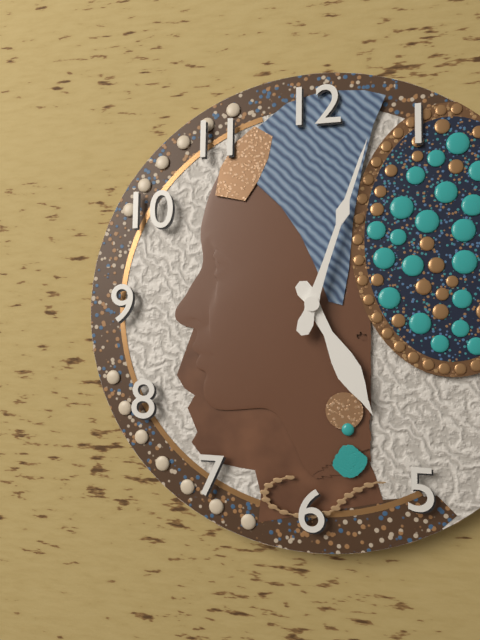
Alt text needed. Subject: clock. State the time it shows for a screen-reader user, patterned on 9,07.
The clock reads 5,03
